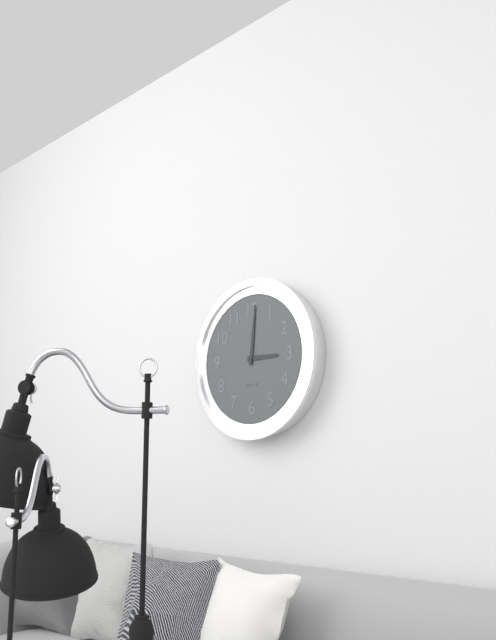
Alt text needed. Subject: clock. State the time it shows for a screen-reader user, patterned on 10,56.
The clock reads 3,01
